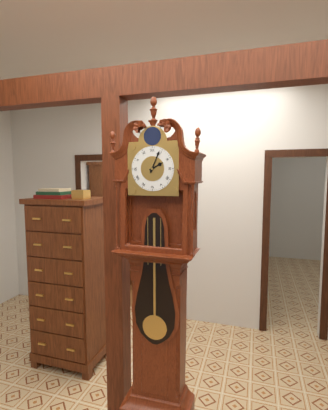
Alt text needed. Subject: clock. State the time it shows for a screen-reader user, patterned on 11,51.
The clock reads 2,04
